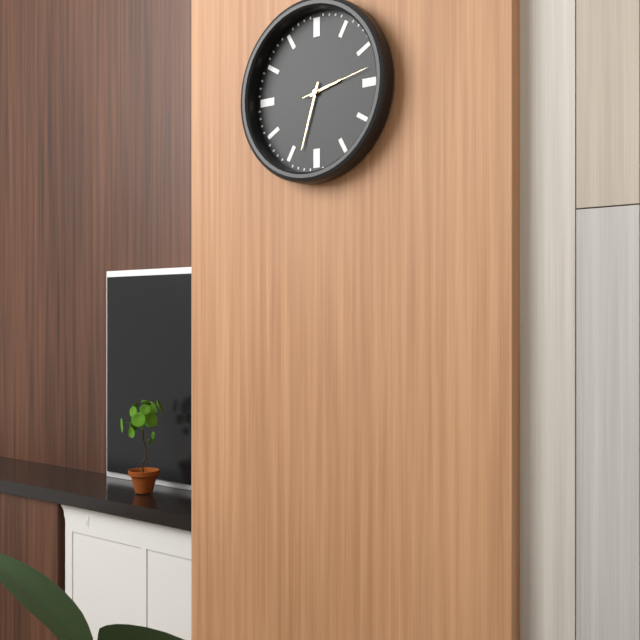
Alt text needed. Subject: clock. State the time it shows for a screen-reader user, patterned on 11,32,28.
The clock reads 2,33,13
